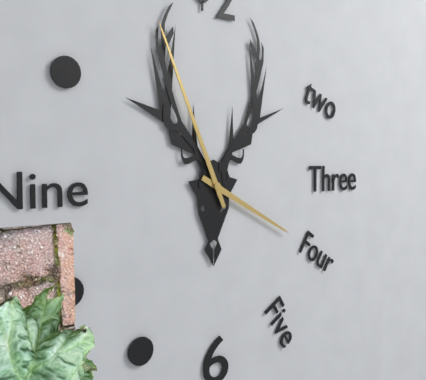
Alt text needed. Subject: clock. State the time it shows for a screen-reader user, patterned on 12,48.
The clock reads 3,56
